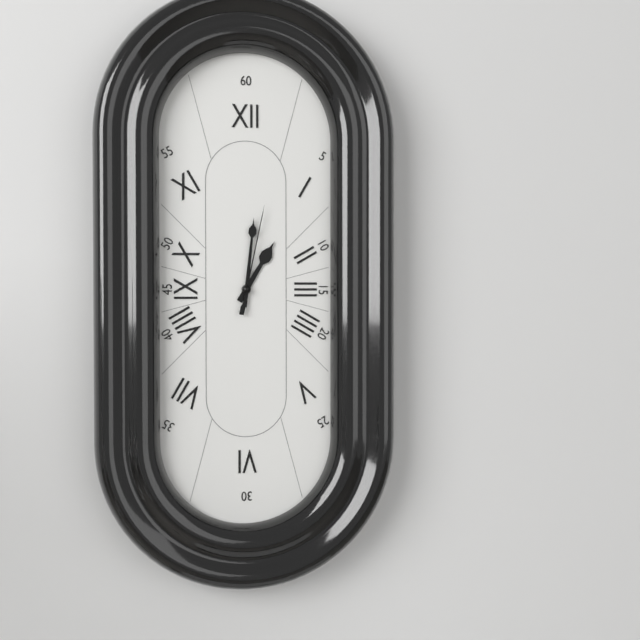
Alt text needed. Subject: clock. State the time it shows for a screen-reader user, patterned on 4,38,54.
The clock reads 1,01,02
